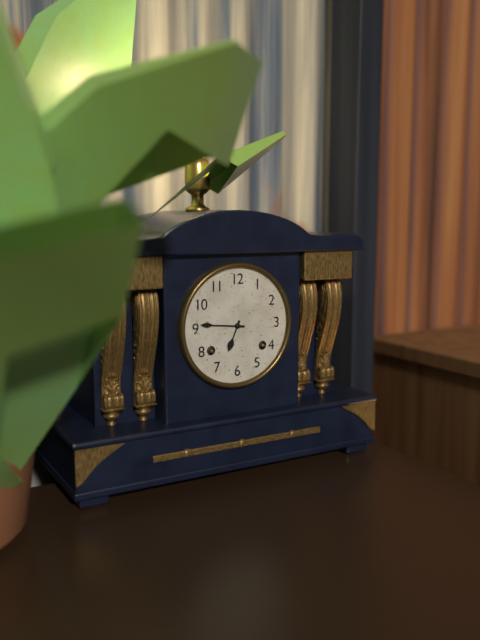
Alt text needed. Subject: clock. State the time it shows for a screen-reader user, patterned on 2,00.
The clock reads 6,46
